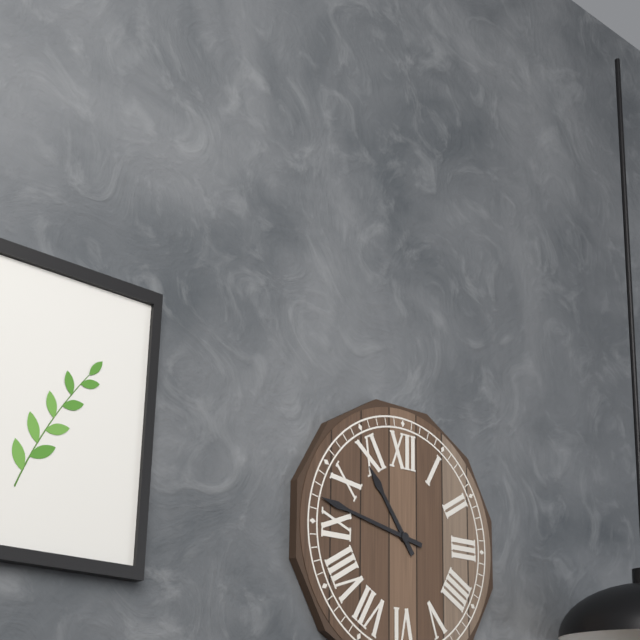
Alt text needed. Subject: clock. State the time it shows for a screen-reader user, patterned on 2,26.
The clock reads 10,47
